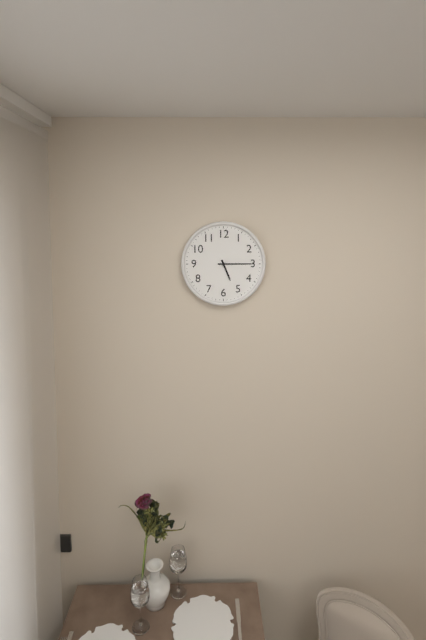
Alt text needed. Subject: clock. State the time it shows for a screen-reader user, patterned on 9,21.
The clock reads 5,15
